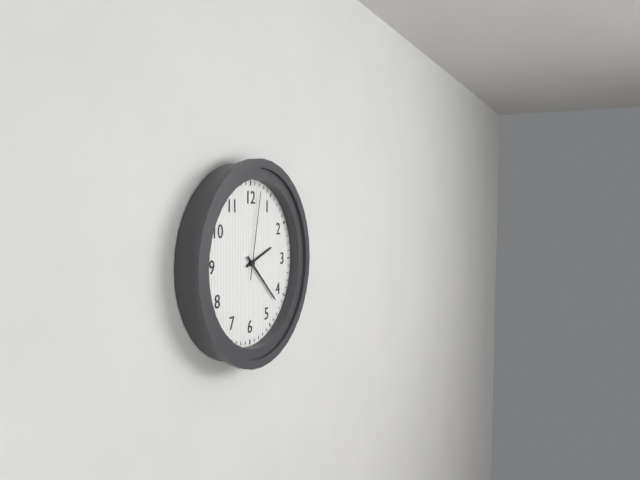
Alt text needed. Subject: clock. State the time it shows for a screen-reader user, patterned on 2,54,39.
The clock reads 2,22,02
